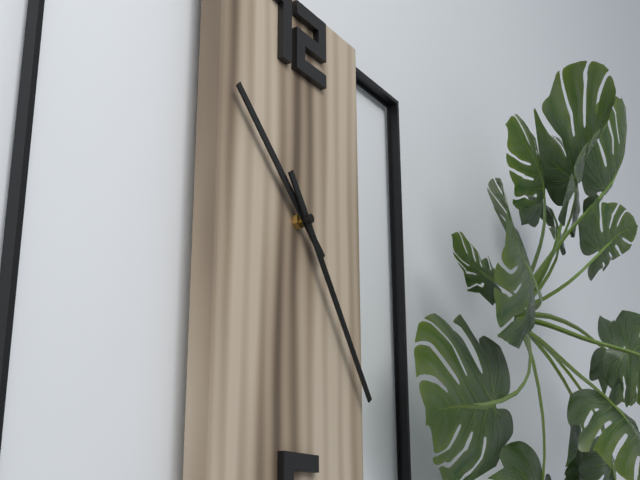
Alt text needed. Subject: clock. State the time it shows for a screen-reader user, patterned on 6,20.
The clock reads 10,24
